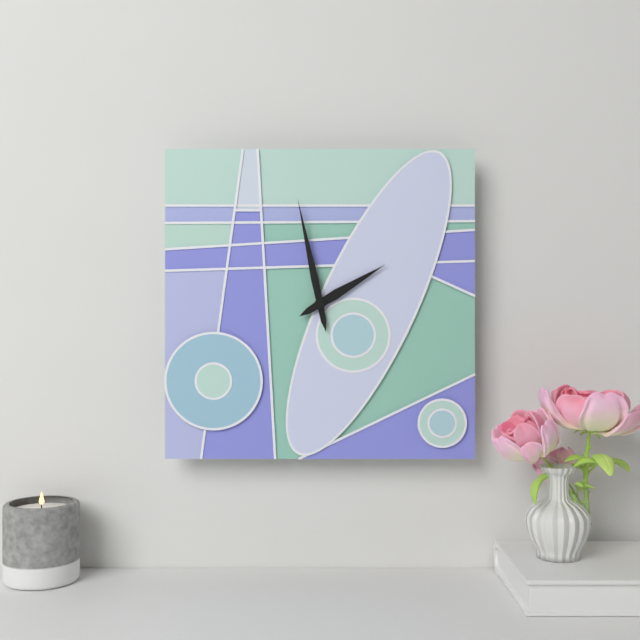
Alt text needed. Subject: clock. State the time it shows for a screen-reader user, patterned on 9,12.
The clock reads 1,58
